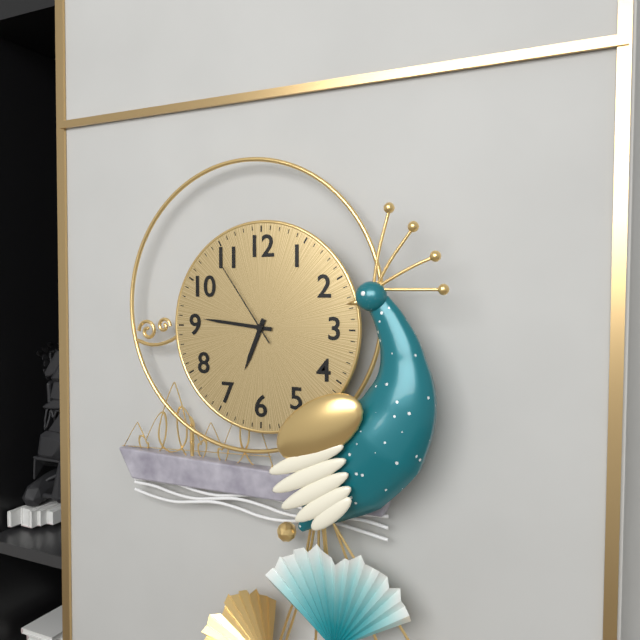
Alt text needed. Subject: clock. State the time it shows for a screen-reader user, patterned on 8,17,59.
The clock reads 6,46,54
